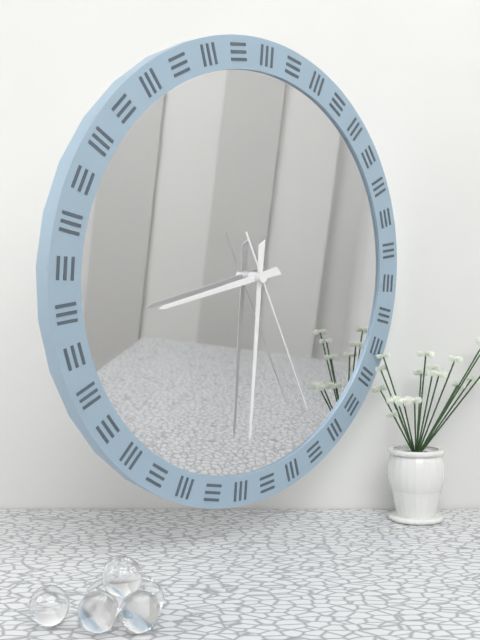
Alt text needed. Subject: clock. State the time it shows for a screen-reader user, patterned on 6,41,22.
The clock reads 8,30,25
